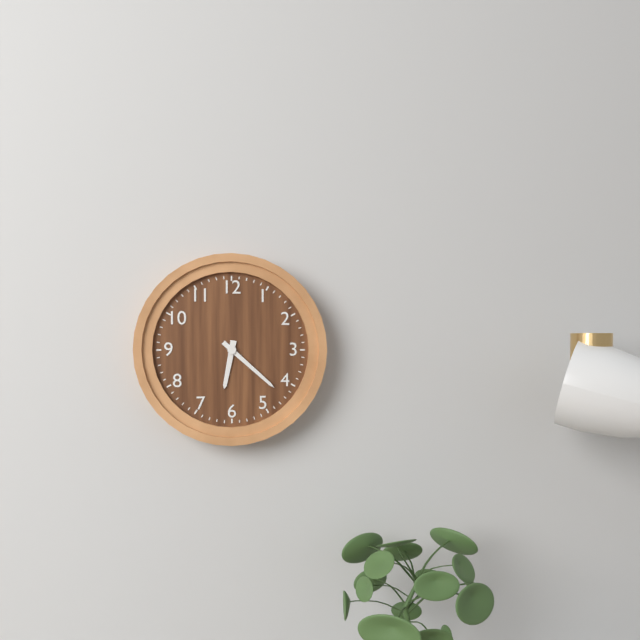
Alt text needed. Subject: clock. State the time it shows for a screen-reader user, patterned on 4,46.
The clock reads 6,22
